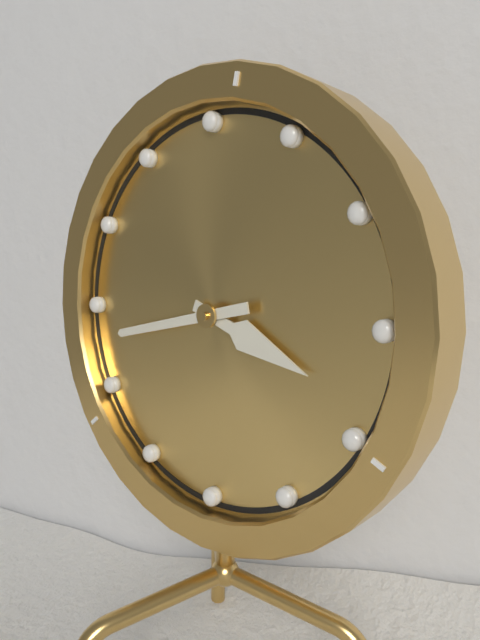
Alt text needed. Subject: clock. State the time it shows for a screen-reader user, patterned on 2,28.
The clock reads 3,43
